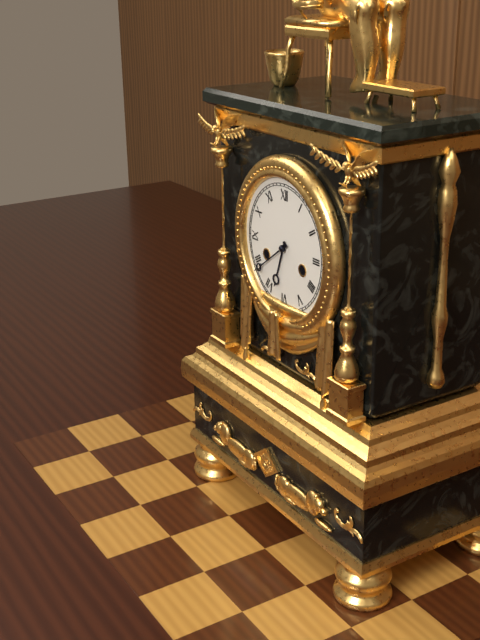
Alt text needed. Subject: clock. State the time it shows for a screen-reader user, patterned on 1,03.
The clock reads 6,39
